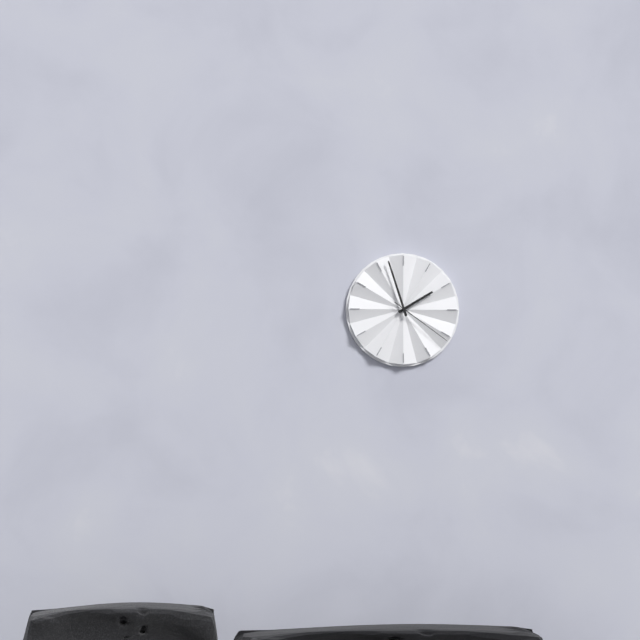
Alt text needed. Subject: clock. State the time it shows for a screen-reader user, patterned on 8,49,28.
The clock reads 1,57,21
